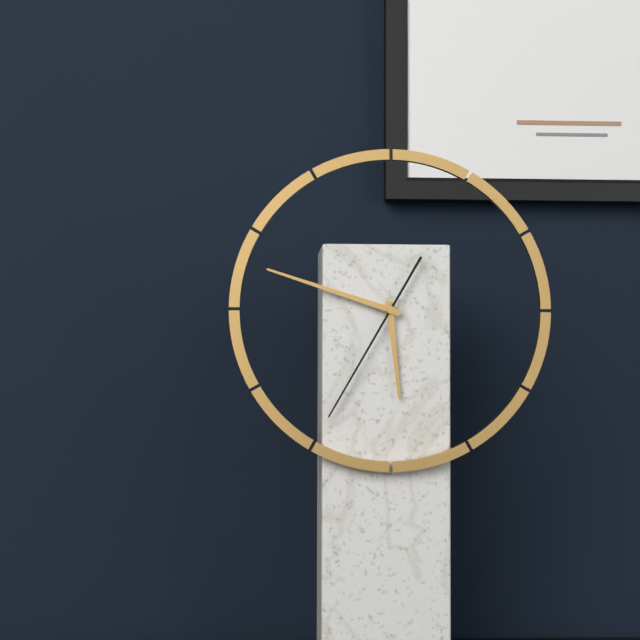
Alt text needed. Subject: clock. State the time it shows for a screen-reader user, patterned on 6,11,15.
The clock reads 5,48,35
